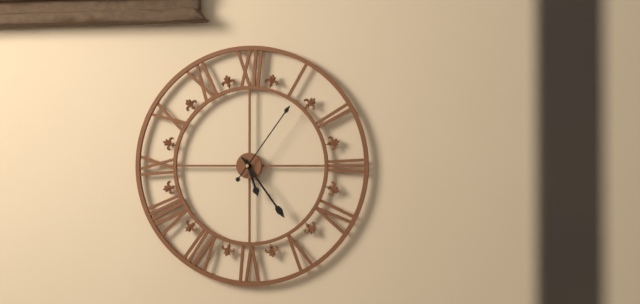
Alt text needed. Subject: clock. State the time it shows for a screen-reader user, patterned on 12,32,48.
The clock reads 5,24,06
